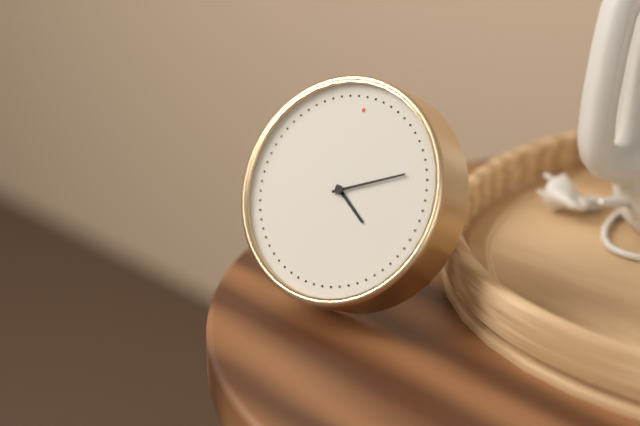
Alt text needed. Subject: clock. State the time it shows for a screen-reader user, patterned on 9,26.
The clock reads 4,11
